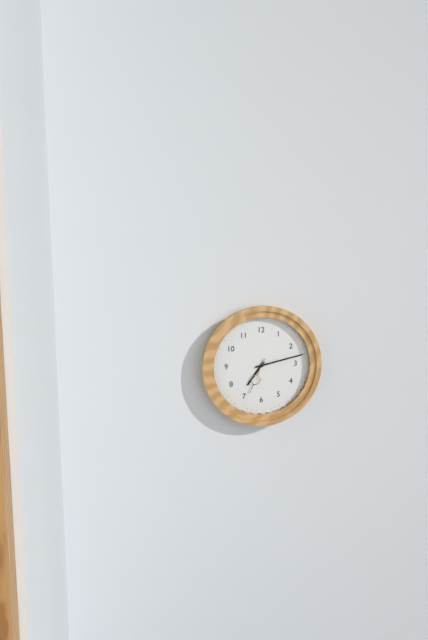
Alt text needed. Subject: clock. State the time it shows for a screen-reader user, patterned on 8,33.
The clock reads 7,13
